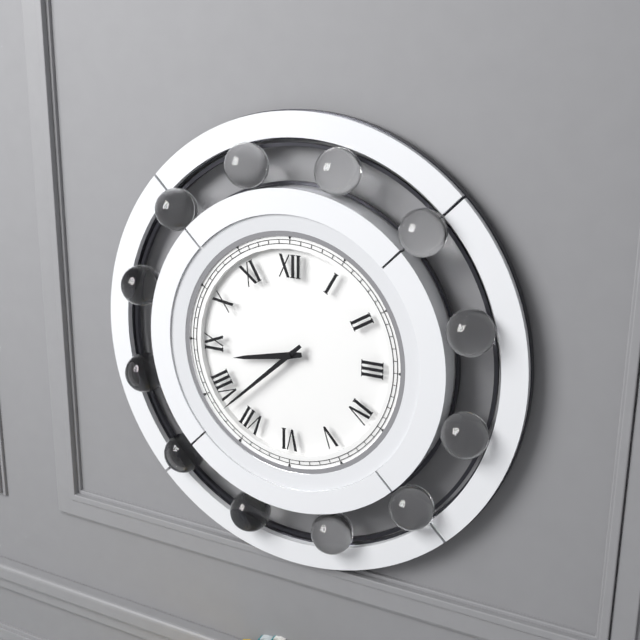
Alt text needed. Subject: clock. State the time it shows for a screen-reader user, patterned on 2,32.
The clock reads 8,38
